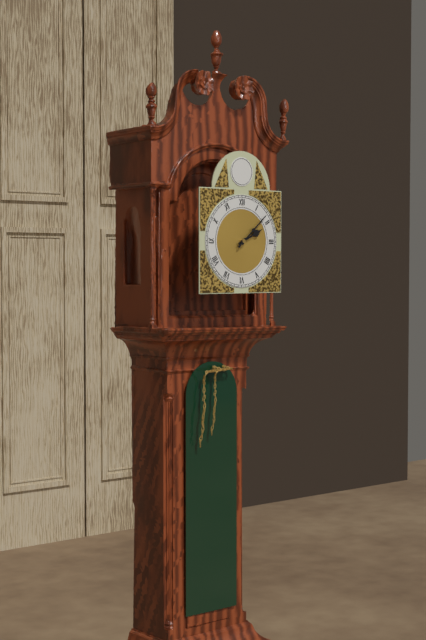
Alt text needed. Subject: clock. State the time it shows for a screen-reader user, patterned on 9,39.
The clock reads 2,08
